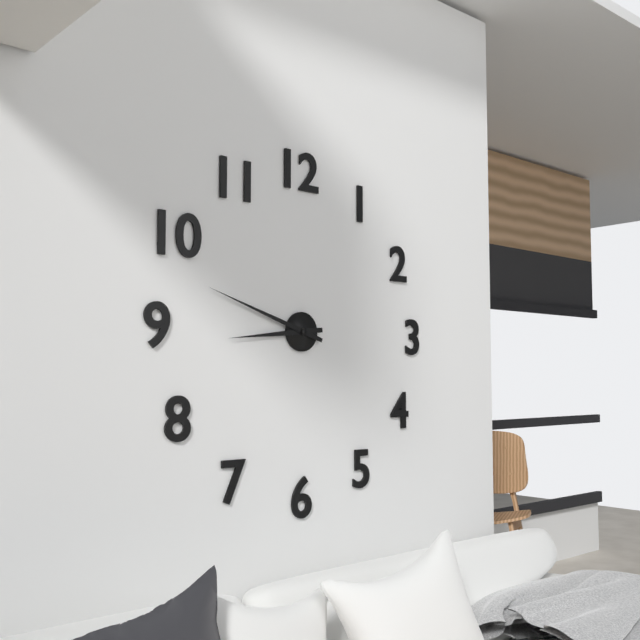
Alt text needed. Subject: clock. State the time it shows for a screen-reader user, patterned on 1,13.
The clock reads 8,48
